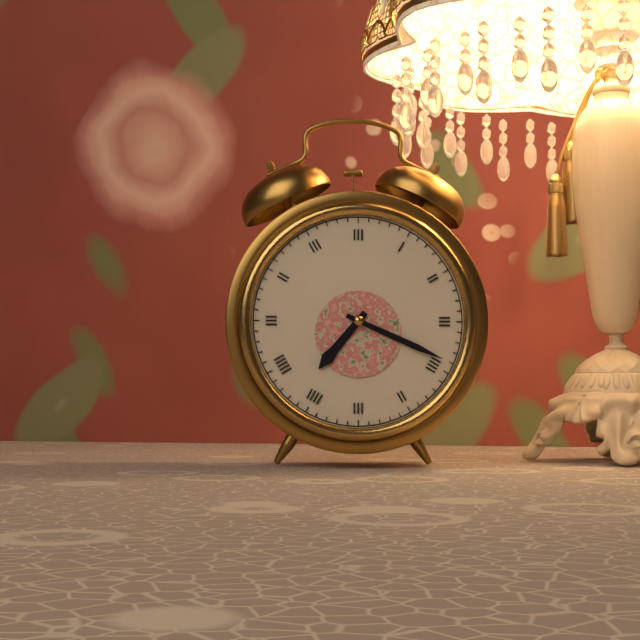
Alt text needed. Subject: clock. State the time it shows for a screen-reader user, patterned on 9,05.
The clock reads 7,19
